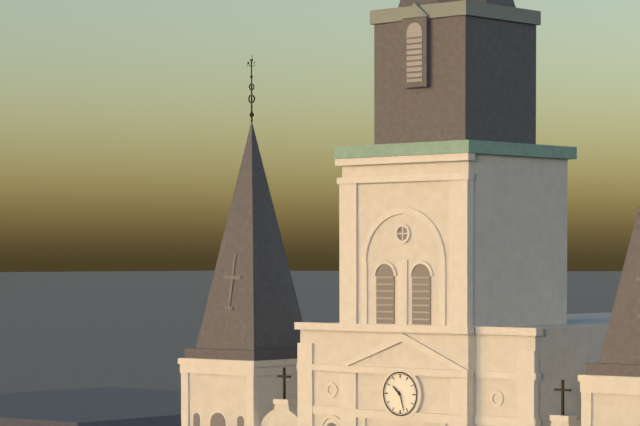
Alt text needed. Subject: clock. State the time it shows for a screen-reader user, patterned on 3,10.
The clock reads 10,27
